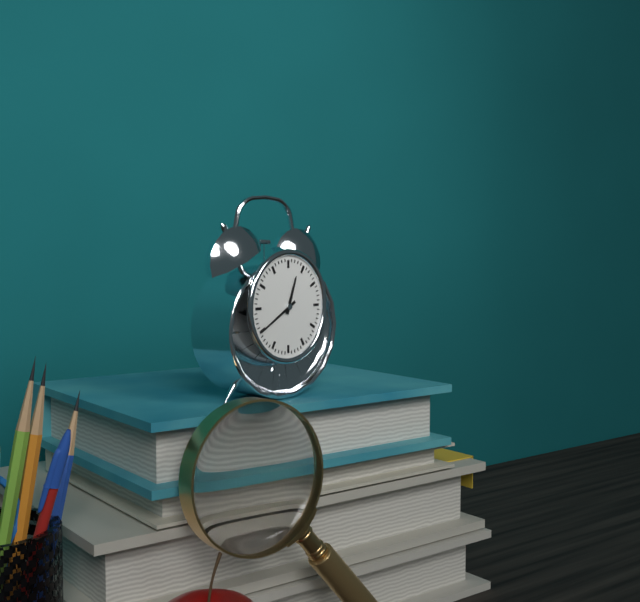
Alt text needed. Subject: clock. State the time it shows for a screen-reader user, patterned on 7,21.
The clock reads 12,40
